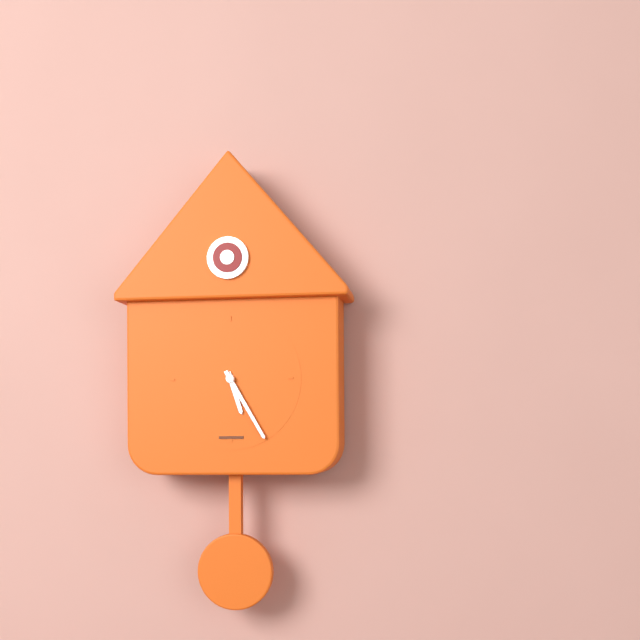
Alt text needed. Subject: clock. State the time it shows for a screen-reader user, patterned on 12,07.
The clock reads 5,25
